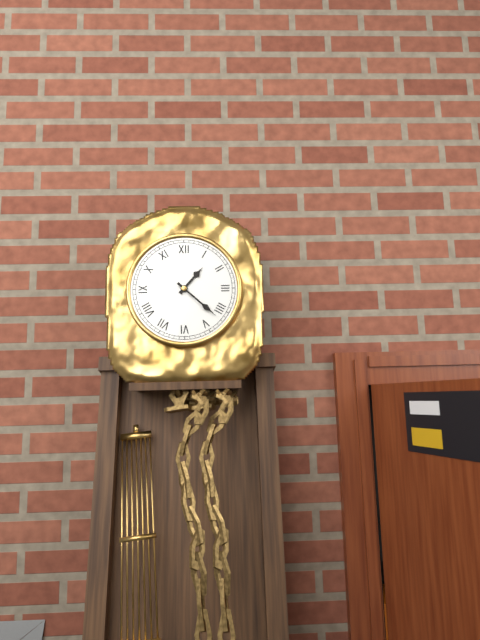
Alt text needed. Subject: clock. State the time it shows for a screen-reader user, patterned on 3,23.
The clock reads 1,22
